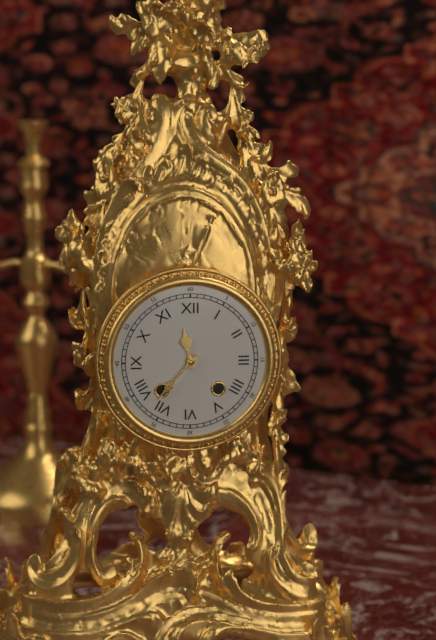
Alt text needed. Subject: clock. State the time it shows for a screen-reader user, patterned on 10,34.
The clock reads 11,37
